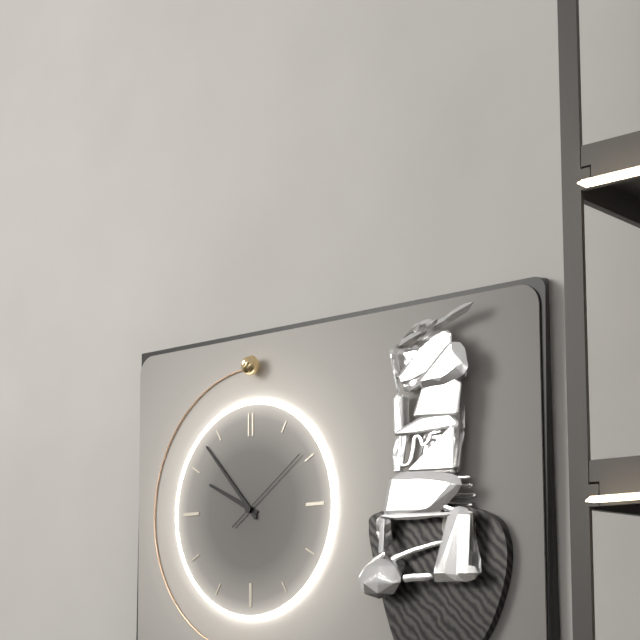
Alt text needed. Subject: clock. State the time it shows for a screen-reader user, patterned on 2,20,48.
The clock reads 9,53,09
